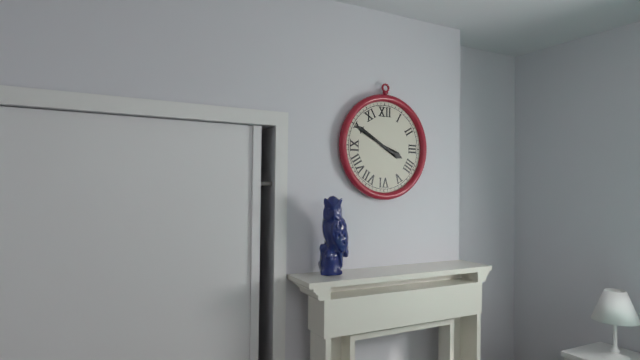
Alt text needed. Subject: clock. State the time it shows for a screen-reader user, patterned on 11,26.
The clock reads 3,50
